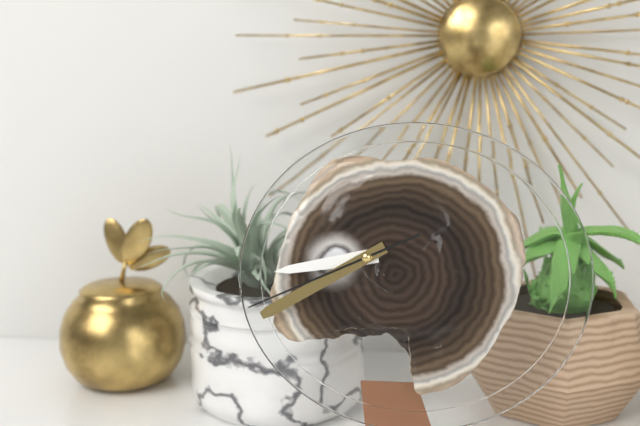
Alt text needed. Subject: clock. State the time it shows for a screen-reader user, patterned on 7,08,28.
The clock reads 8,40,41
